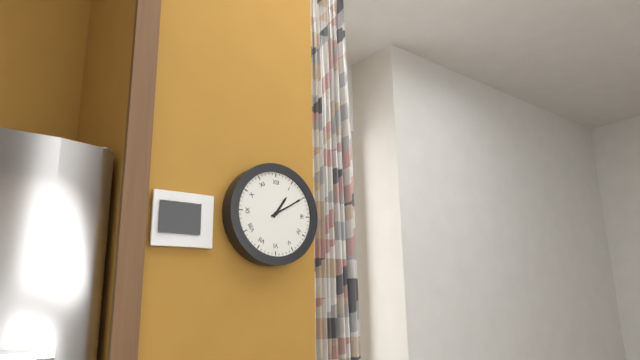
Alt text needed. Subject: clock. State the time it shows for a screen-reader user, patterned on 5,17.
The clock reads 1,10
